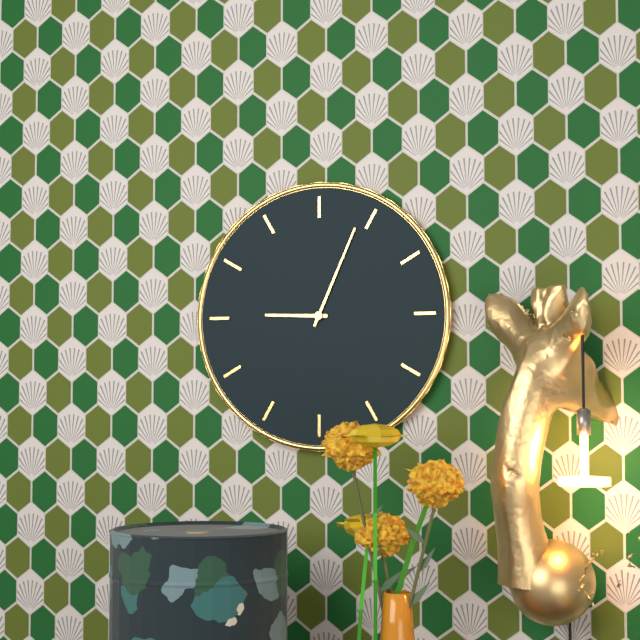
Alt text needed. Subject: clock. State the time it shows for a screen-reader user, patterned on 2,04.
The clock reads 9,04
